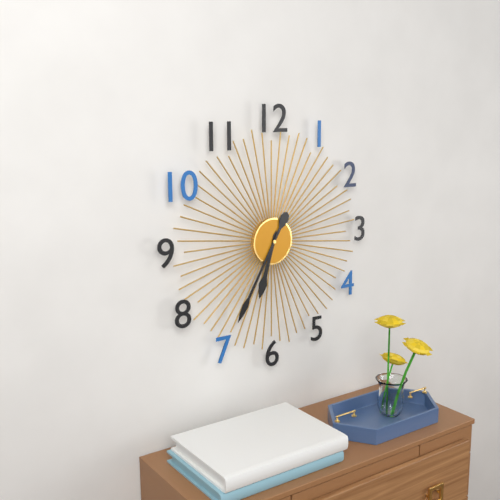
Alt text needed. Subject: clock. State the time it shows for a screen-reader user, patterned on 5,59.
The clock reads 6,35
